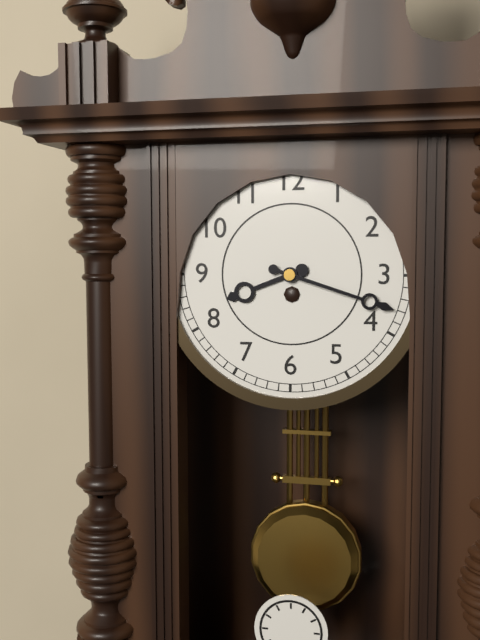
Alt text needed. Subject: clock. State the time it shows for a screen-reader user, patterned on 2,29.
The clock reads 8,18
